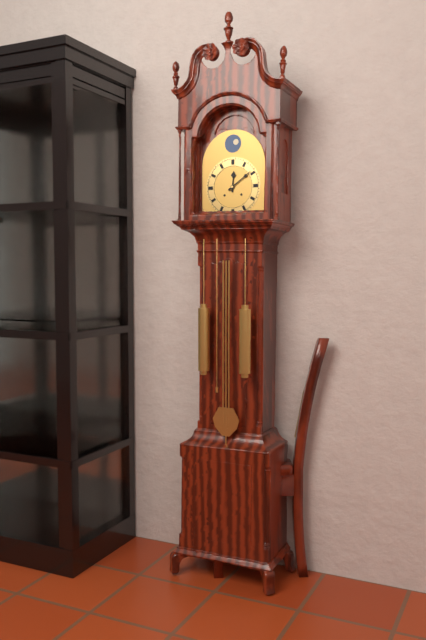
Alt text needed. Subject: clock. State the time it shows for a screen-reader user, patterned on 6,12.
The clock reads 12,09
